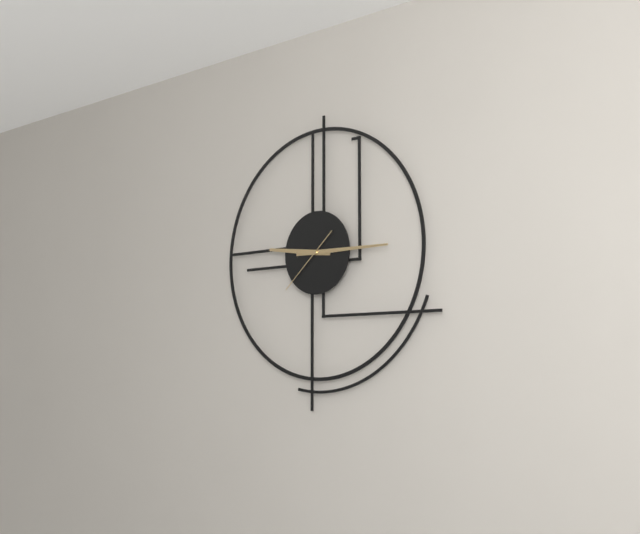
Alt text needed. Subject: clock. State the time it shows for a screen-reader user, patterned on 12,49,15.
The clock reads 9,15,38
